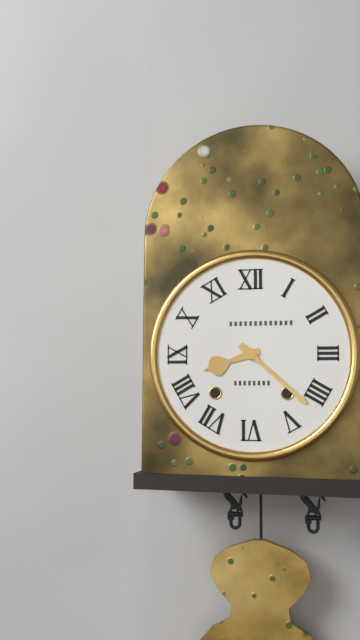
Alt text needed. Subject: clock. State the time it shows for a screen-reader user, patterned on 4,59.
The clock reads 8,22
